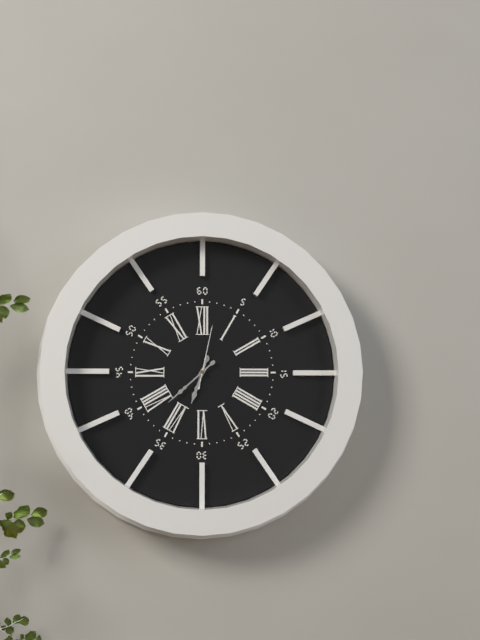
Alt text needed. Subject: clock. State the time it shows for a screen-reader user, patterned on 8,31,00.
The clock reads 6,38,02
